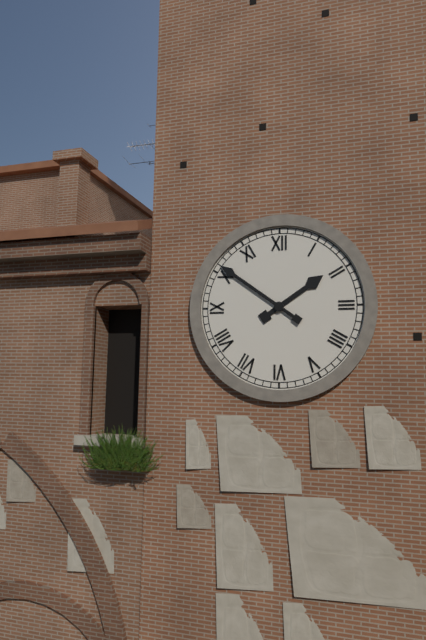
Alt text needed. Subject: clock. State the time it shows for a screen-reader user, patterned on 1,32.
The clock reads 1,51
